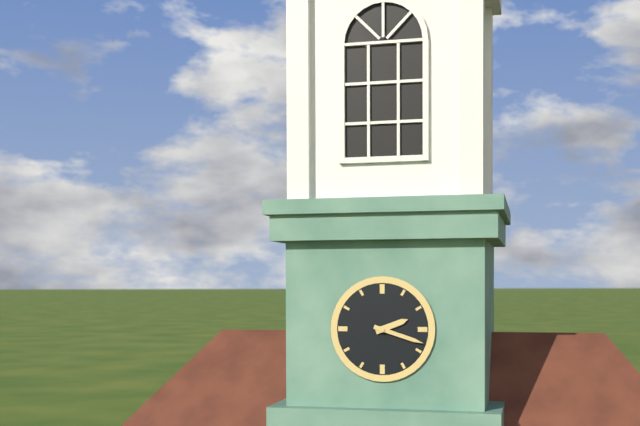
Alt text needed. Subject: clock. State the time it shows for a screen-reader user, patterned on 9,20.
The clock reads 2,18
